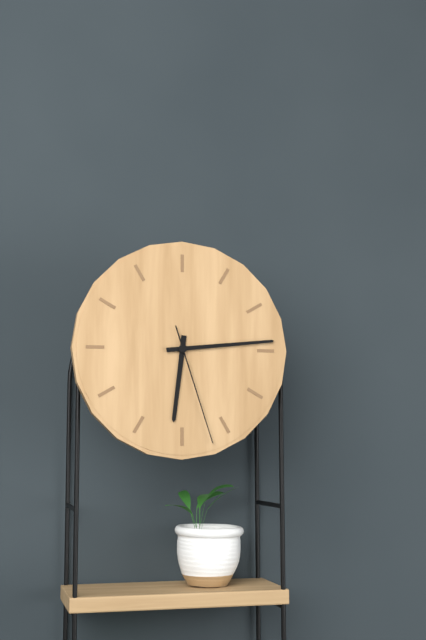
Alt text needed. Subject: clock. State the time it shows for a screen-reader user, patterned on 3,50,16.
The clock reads 6,14,27
